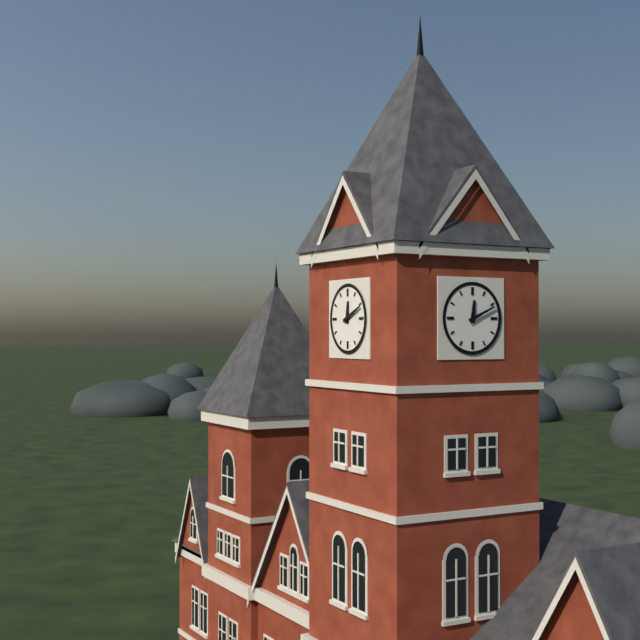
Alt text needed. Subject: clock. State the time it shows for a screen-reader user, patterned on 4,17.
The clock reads 12,11
